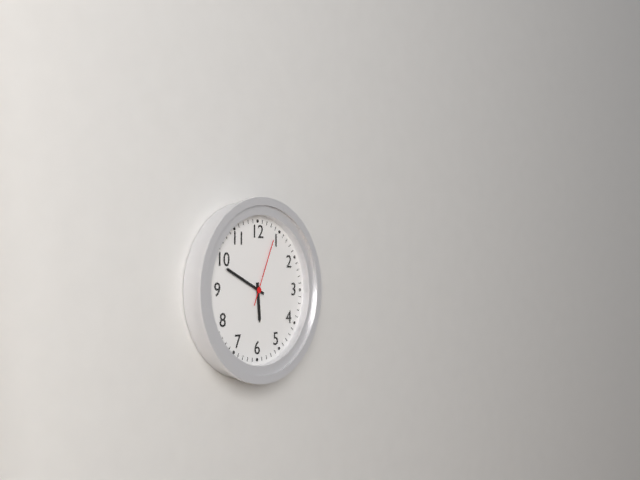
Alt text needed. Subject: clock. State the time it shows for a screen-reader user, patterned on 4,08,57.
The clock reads 5,49,04
